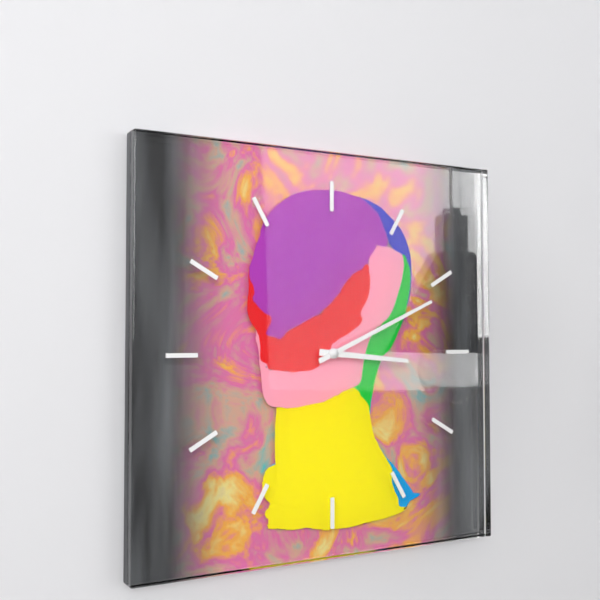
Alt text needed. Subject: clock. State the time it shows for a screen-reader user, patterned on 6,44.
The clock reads 3,11
